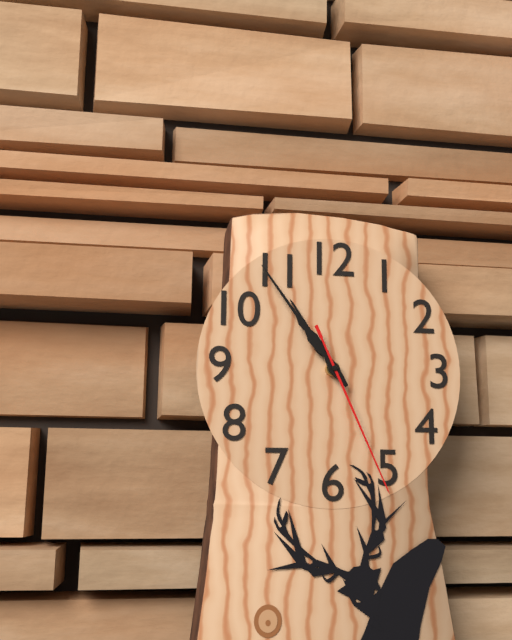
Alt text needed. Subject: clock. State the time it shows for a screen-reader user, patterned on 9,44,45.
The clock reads 10,54,26
